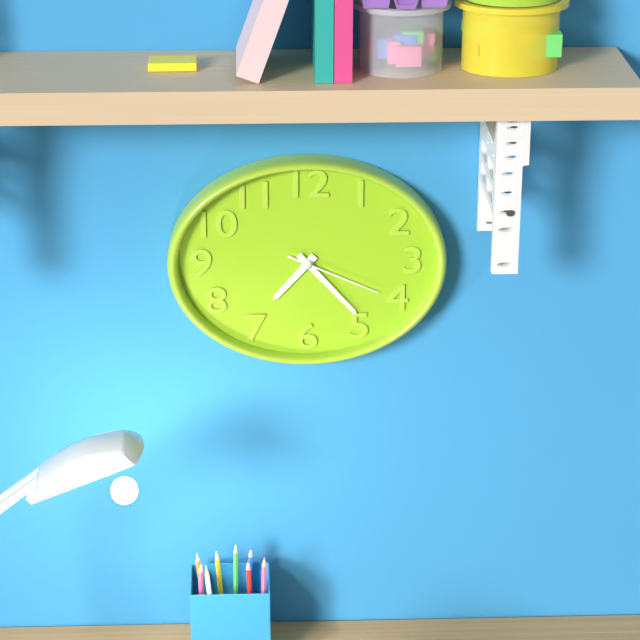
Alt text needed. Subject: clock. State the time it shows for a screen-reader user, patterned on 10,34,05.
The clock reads 7,23,19
